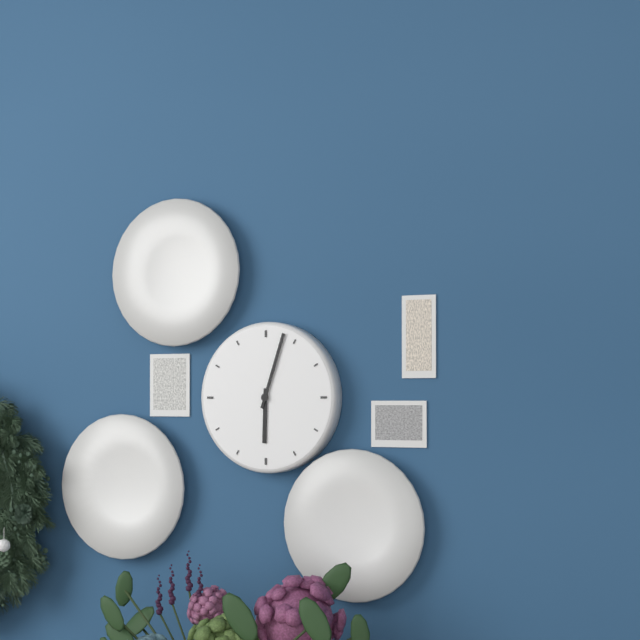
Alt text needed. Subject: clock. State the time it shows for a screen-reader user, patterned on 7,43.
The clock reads 6,03
